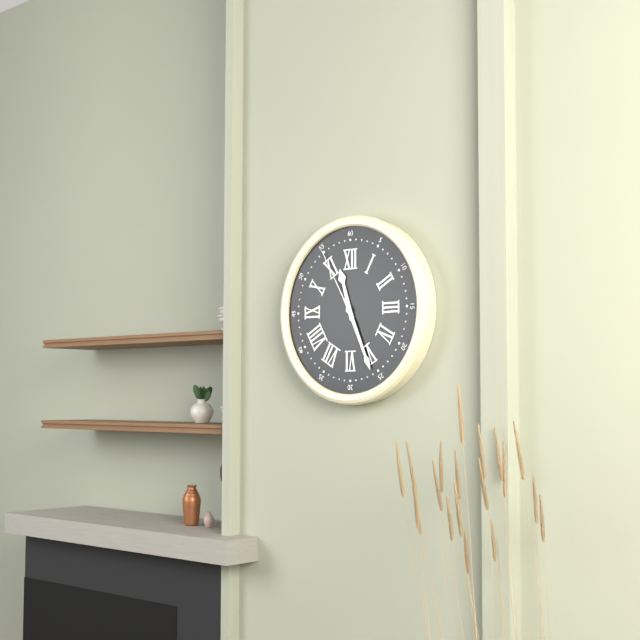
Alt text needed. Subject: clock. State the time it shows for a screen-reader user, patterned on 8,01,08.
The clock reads 11,26,55
